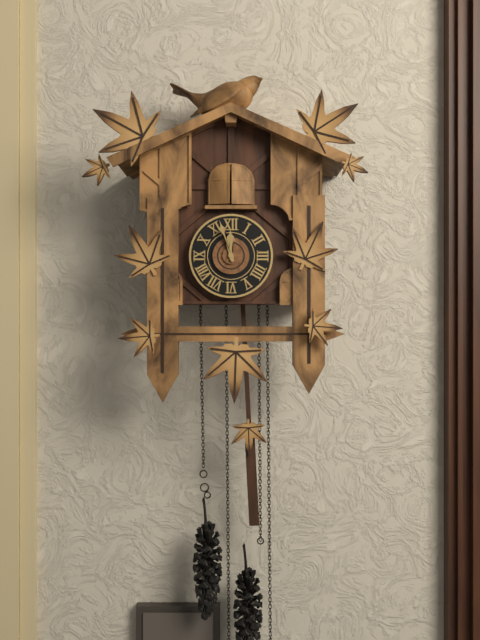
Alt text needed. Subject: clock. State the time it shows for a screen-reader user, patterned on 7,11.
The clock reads 11,57
